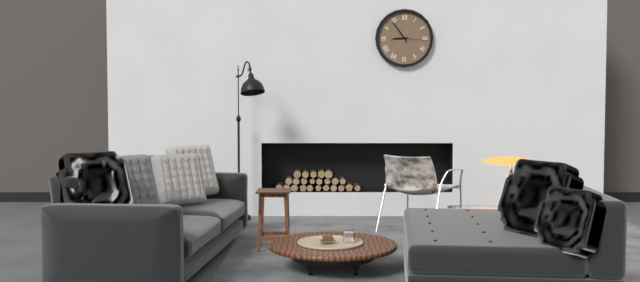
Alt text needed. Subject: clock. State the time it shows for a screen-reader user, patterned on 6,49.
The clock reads 8,54
